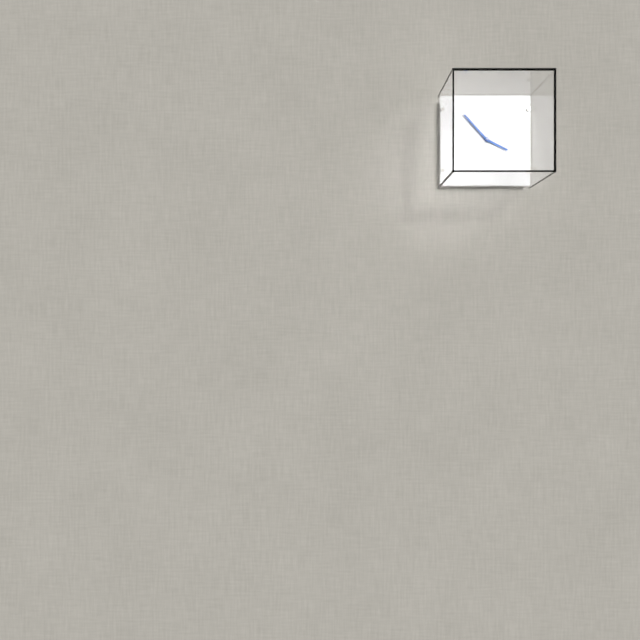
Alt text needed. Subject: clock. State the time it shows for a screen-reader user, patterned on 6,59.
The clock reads 3,53
